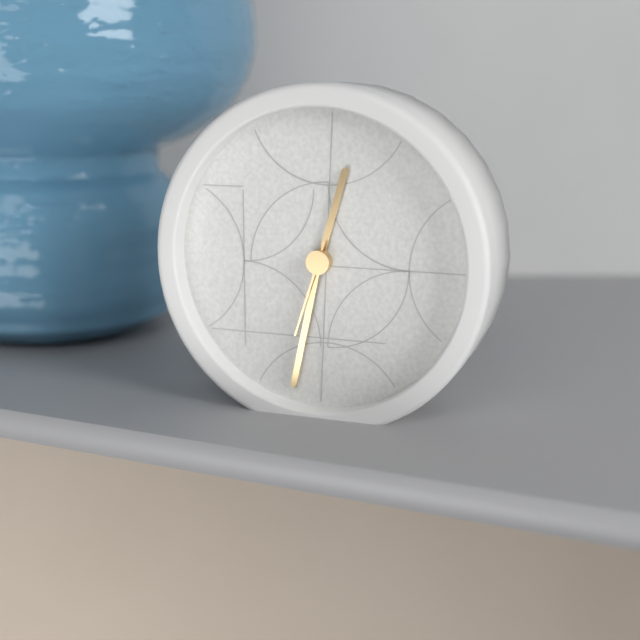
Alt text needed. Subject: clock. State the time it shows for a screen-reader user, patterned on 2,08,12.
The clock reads 12,32,33
